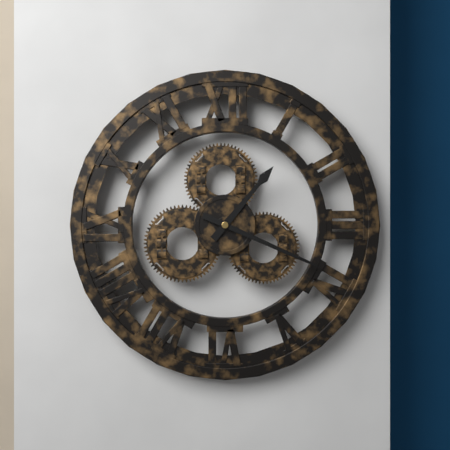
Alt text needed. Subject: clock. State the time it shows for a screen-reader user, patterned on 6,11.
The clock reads 1,19
